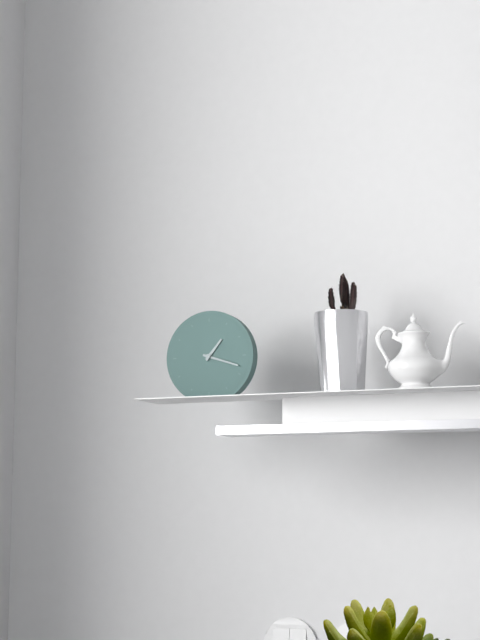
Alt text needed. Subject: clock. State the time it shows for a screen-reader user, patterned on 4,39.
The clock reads 1,18
